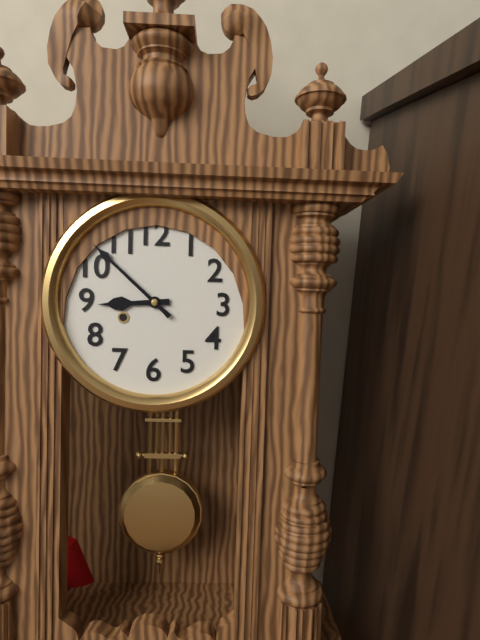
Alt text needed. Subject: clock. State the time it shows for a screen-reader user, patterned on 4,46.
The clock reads 8,52
